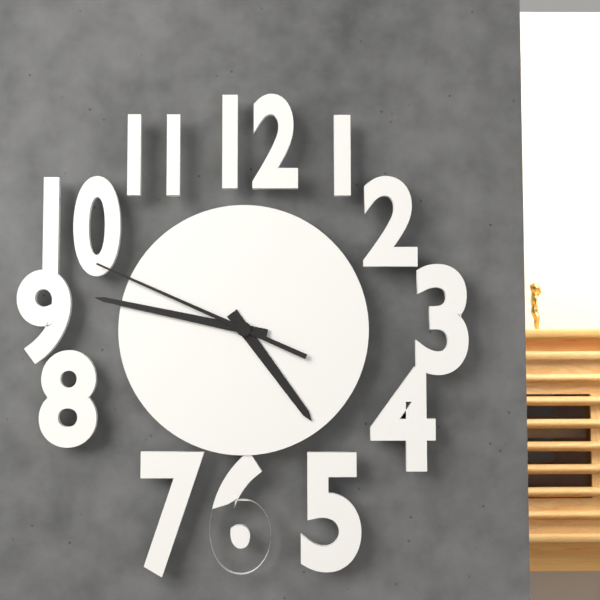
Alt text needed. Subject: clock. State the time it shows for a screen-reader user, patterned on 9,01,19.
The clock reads 4,47,49
